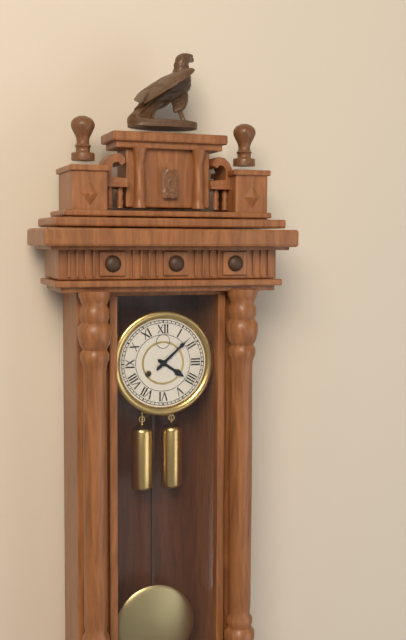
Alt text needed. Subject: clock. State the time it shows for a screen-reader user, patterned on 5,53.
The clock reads 4,08
